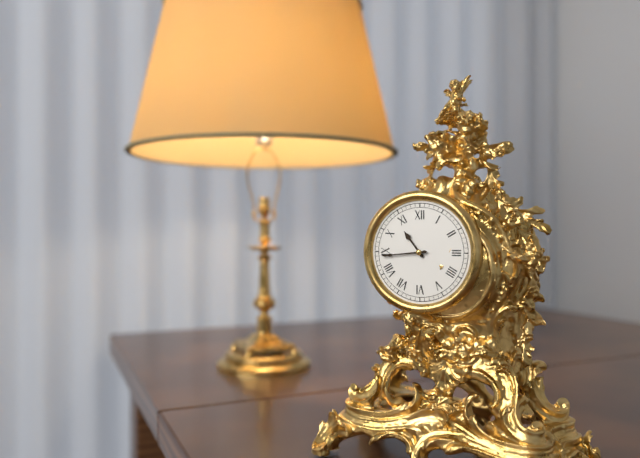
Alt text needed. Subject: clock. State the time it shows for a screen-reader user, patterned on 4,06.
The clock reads 10,44
